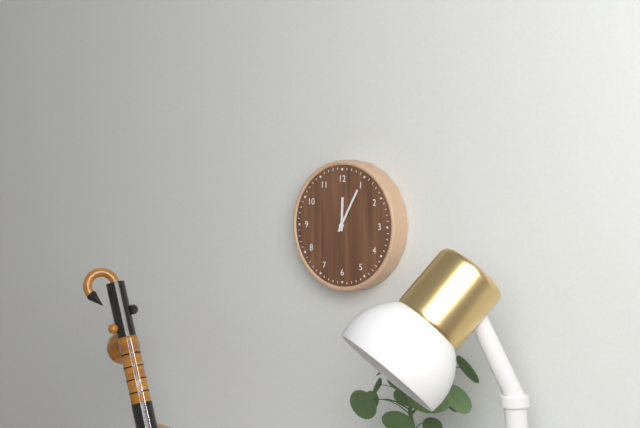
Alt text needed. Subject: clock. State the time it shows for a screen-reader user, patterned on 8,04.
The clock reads 12,05
